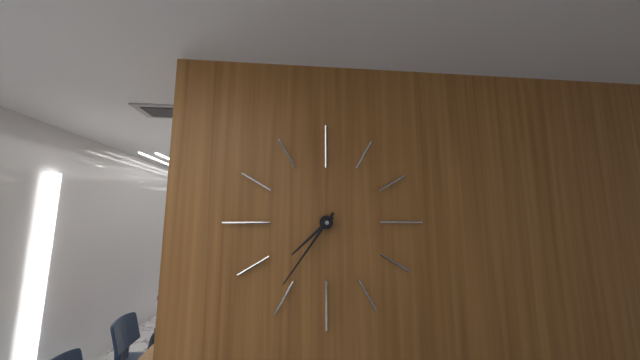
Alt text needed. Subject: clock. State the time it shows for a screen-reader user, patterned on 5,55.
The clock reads 7,36
